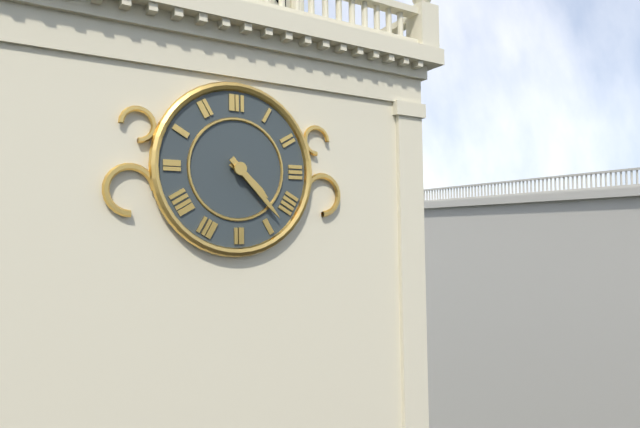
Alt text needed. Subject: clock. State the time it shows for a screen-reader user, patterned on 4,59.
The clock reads 4,23
